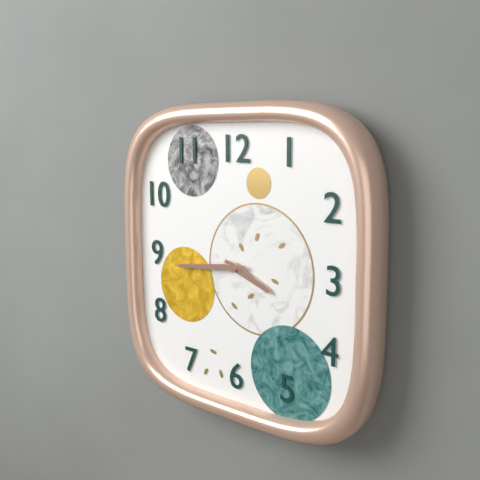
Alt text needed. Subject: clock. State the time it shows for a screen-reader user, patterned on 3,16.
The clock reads 3,44
